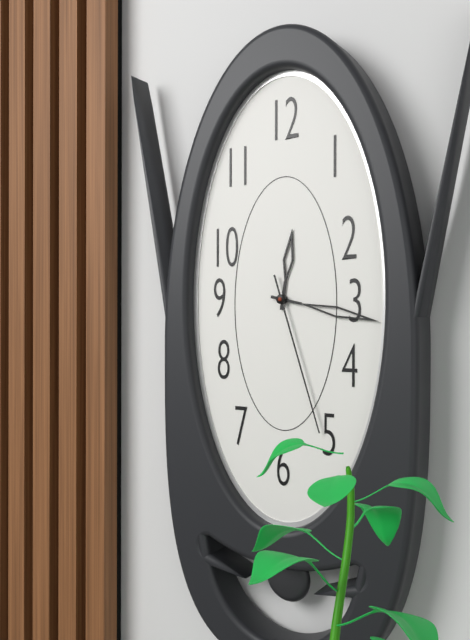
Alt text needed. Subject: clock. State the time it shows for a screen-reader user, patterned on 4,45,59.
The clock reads 12,17,27
